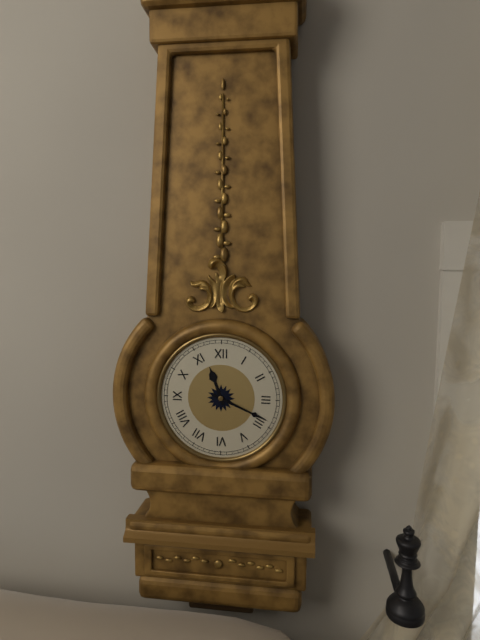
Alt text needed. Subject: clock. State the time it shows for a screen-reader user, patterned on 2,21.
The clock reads 11,19
